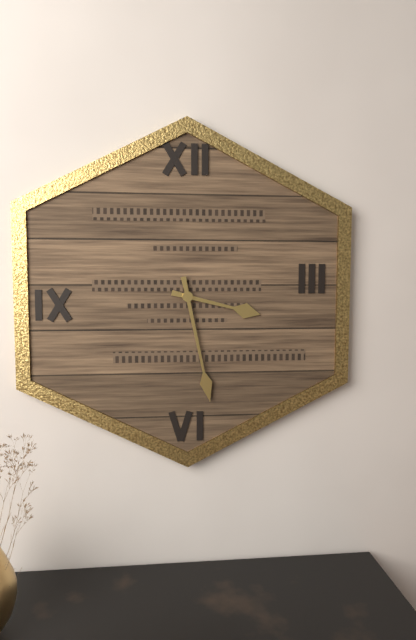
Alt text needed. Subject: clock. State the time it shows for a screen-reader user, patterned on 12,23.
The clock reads 3,28
